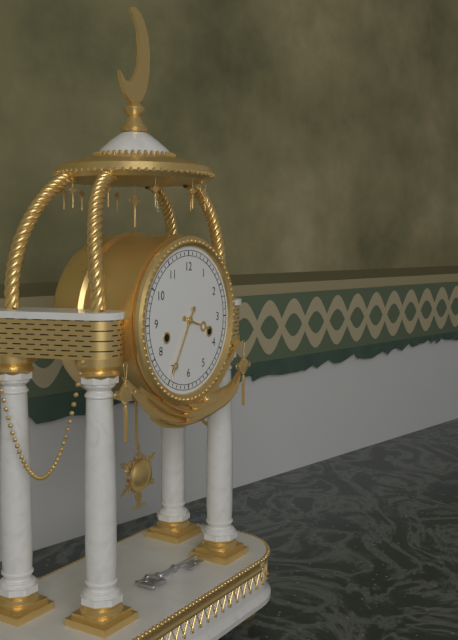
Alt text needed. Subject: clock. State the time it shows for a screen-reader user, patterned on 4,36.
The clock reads 3,35
